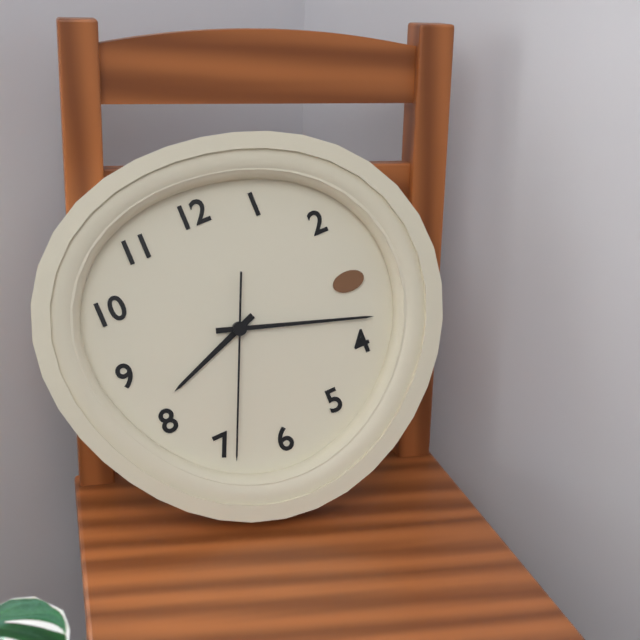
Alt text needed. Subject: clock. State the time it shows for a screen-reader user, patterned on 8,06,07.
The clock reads 8,18,34
